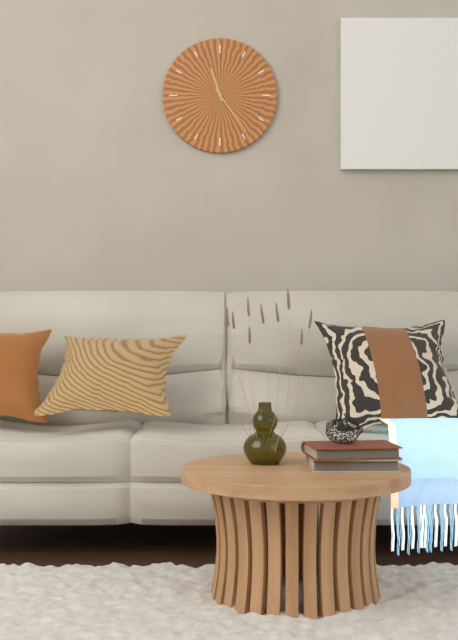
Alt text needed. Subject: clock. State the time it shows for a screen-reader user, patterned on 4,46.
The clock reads 11,24
